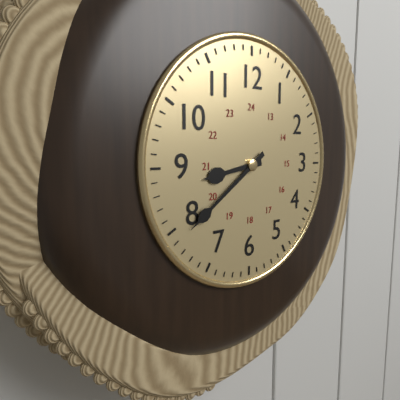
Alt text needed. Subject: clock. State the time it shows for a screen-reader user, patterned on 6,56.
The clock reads 8,39
